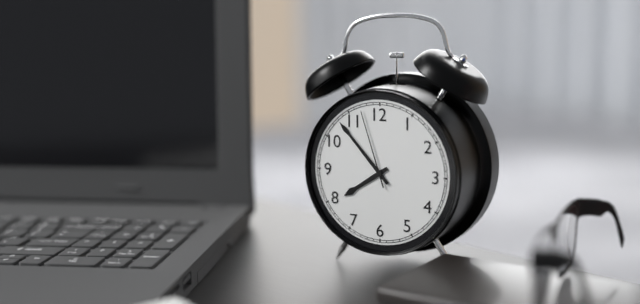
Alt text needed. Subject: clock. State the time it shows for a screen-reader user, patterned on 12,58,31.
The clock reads 7,53,57
